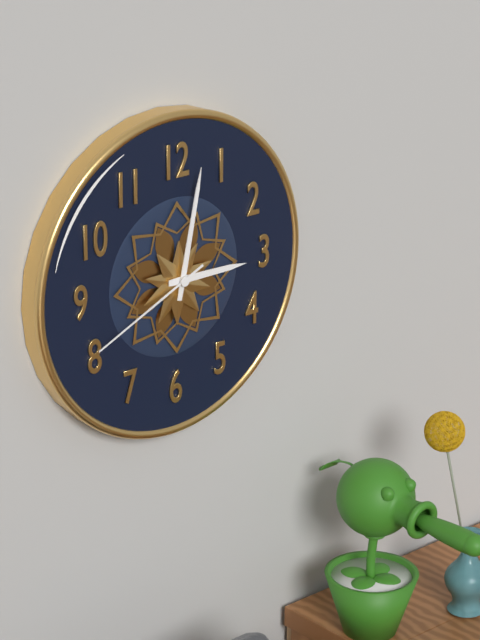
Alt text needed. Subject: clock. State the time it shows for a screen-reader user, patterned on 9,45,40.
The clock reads 3,02,41
